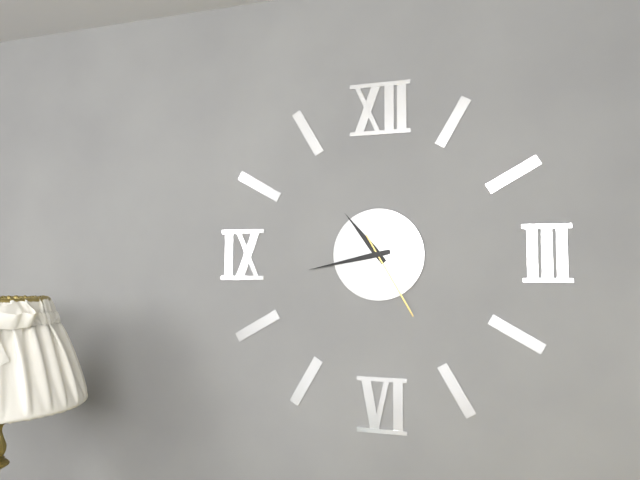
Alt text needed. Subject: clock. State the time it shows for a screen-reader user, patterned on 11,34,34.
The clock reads 10,43,25
